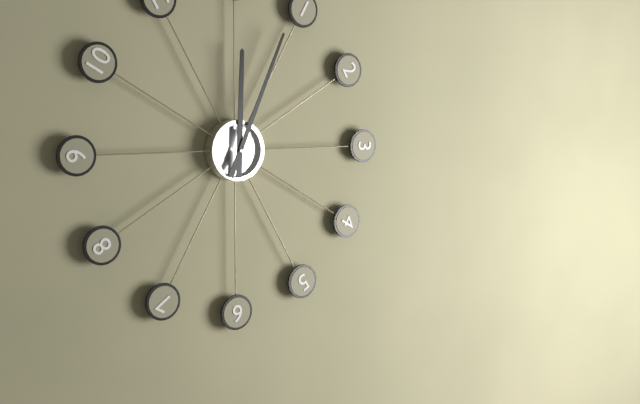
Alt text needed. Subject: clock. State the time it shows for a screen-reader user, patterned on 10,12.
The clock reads 12,04
